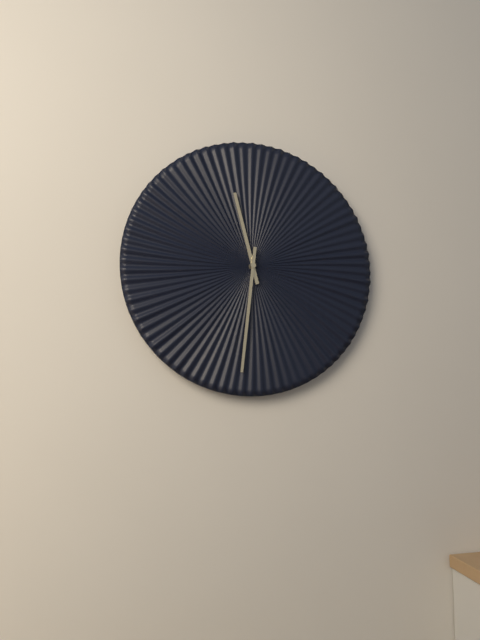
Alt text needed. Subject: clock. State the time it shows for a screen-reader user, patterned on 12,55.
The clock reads 11,31
